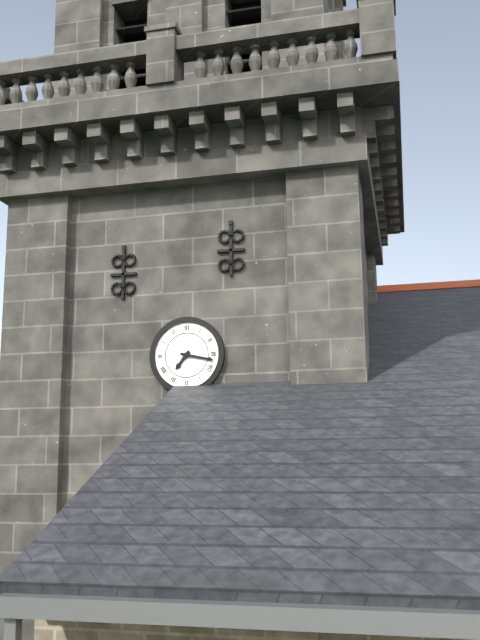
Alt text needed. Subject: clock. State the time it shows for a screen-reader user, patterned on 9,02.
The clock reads 7,17
